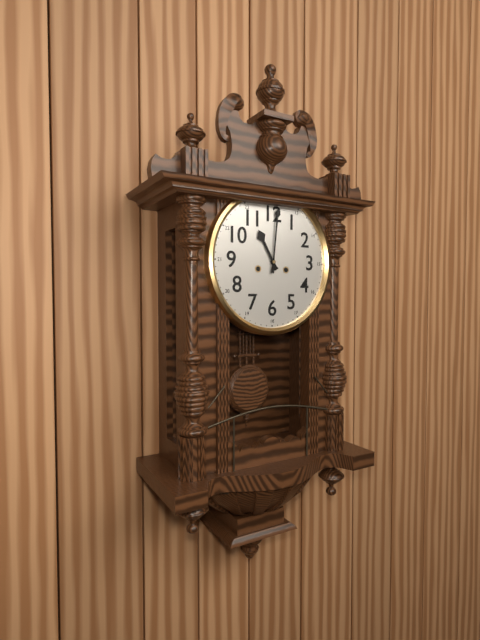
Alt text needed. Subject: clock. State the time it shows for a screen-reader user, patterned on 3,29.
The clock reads 11,01
